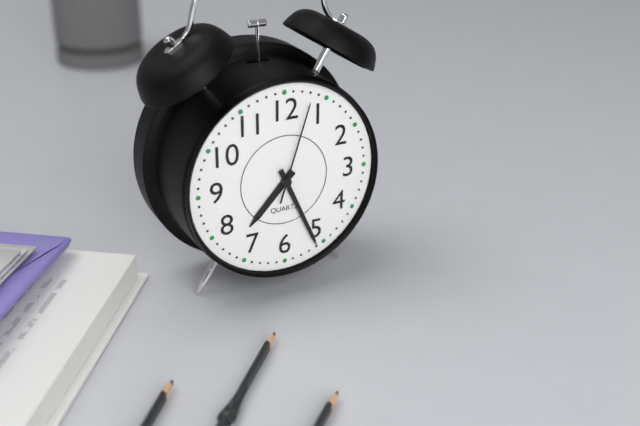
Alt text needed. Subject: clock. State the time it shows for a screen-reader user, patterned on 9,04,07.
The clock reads 7,26,03
